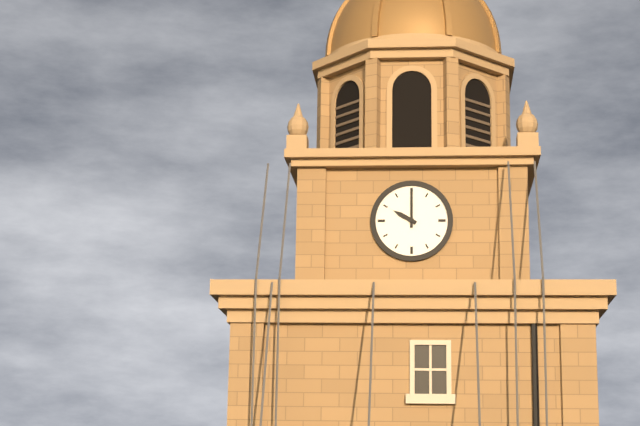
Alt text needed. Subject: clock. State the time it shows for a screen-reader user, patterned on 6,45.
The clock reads 10,00
